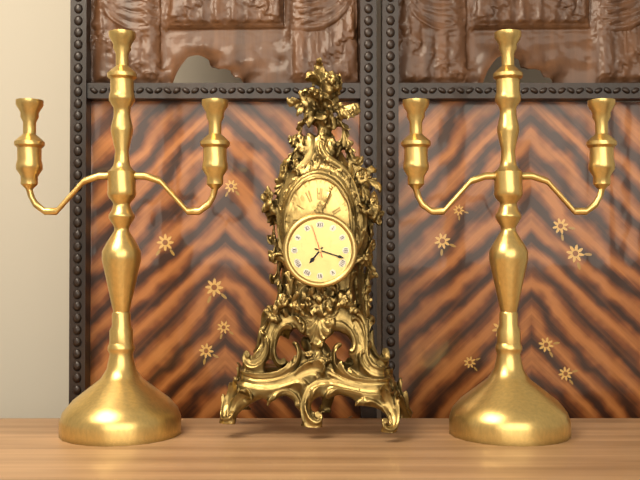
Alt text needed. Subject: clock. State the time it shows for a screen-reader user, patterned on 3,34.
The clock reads 7,18
